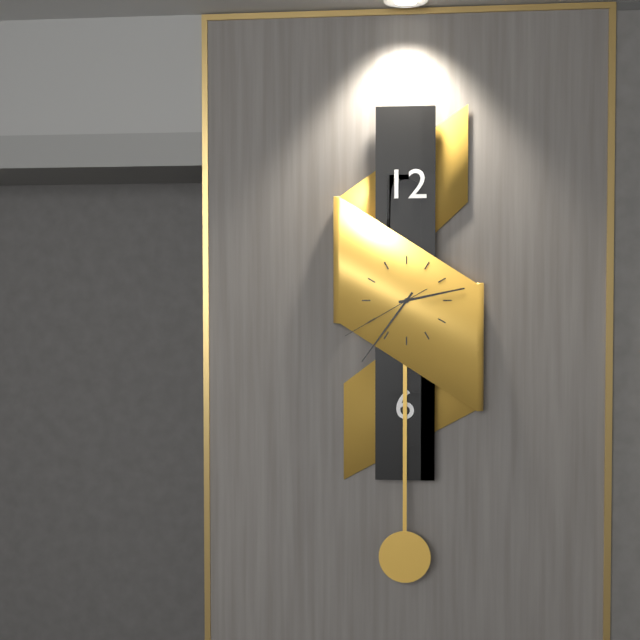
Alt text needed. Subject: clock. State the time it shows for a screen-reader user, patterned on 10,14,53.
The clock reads 2,36,40
